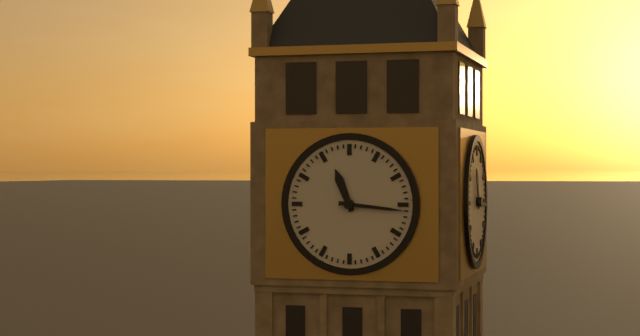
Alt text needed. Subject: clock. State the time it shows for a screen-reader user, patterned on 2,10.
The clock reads 11,16
